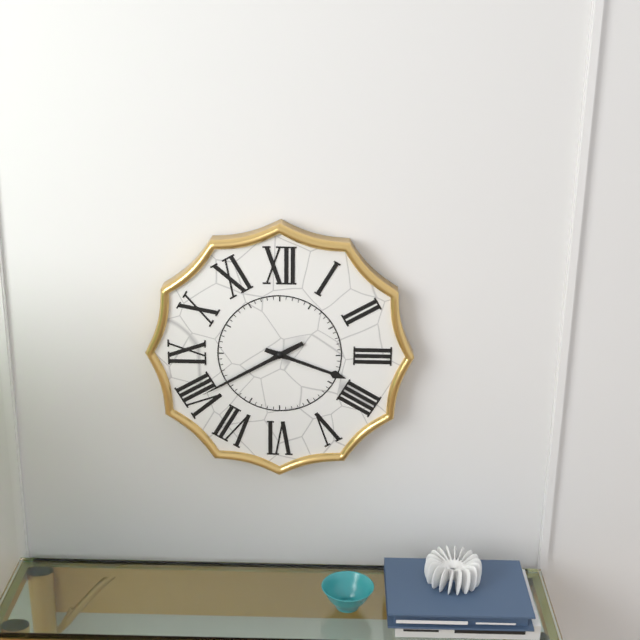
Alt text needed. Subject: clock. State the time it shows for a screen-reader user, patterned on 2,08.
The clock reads 3,40
